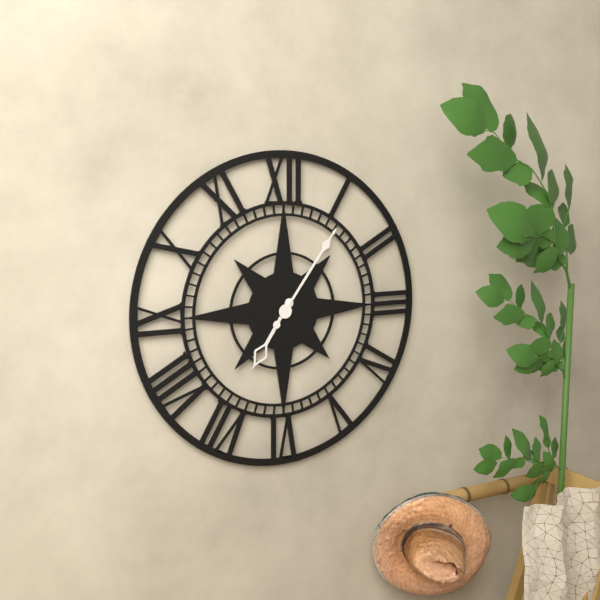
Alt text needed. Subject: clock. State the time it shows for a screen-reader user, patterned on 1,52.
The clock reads 7,06
